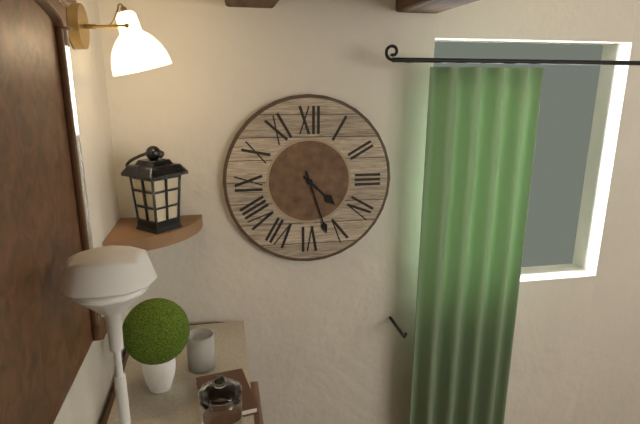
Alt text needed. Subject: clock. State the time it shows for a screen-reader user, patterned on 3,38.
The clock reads 4,27
